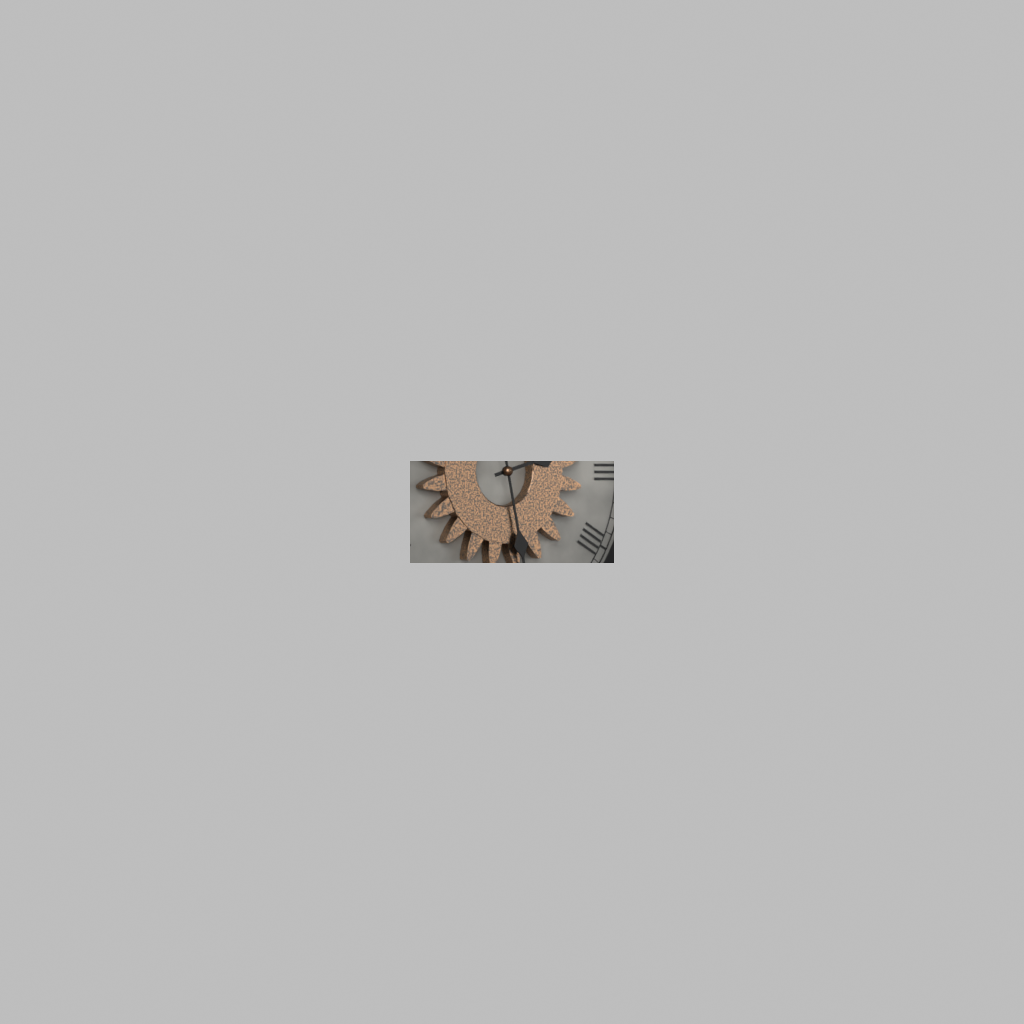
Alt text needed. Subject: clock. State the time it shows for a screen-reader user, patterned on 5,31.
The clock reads 2,28
